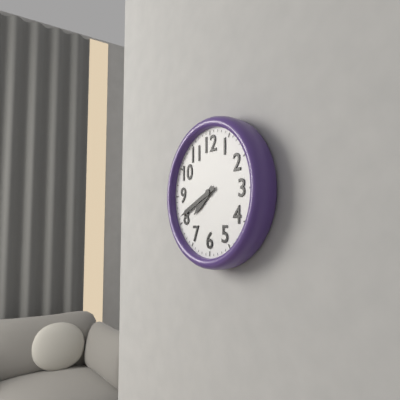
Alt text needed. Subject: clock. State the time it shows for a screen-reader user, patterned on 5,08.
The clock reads 7,41
